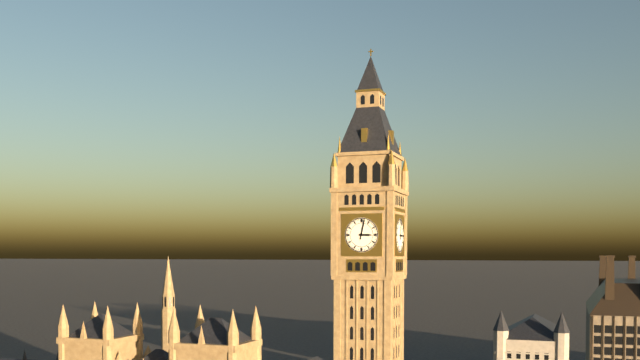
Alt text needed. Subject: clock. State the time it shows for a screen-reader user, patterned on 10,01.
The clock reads 3,02
